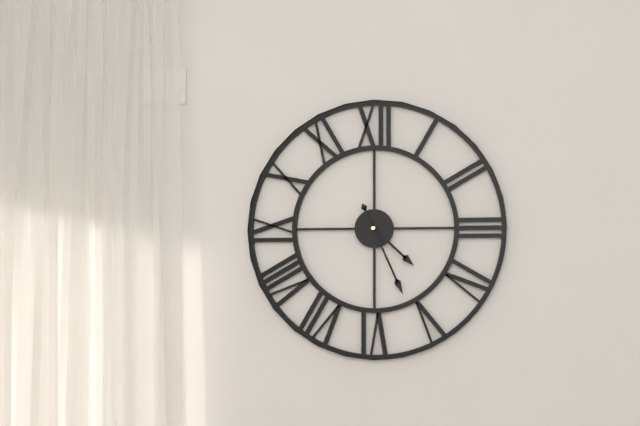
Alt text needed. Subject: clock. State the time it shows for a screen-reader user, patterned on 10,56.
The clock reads 4,26
